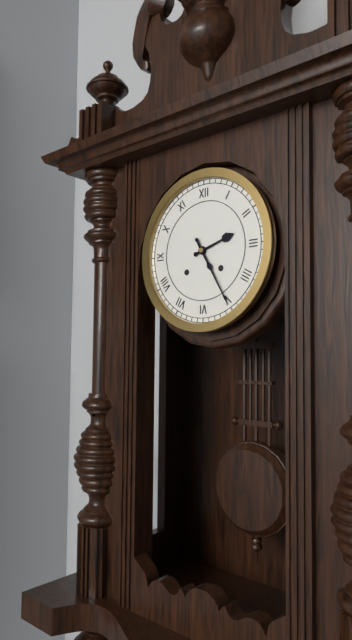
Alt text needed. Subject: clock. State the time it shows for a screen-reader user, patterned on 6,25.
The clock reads 2,25
